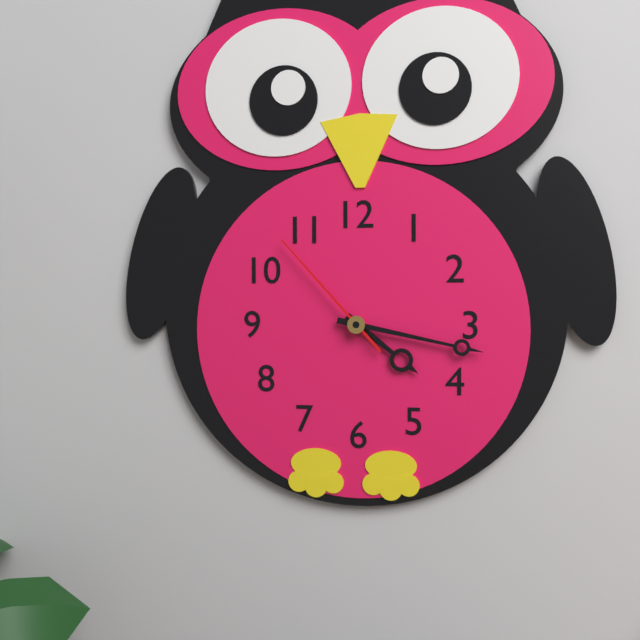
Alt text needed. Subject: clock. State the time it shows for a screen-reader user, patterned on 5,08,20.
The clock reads 4,17,53
